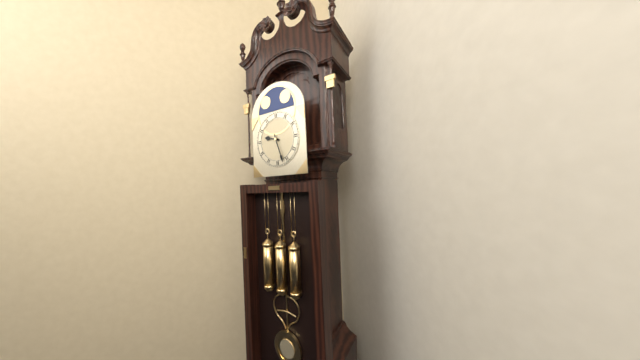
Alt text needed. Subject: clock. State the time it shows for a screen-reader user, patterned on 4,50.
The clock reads 9,27
